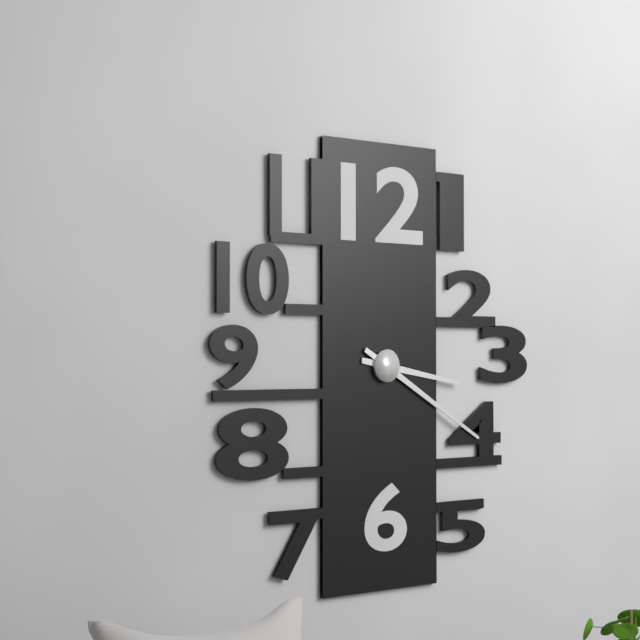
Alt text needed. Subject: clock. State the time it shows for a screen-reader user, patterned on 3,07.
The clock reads 3,20
